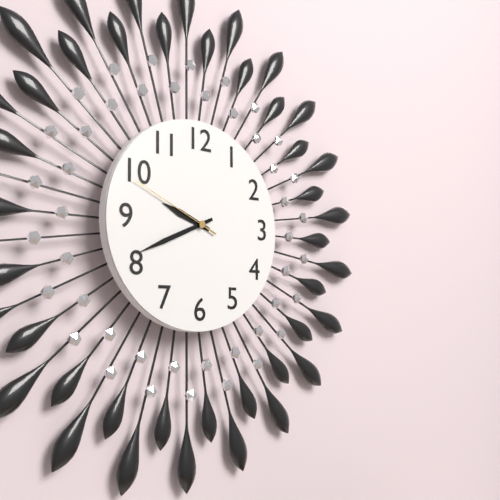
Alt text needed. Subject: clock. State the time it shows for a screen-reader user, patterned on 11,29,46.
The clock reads 9,41,49
